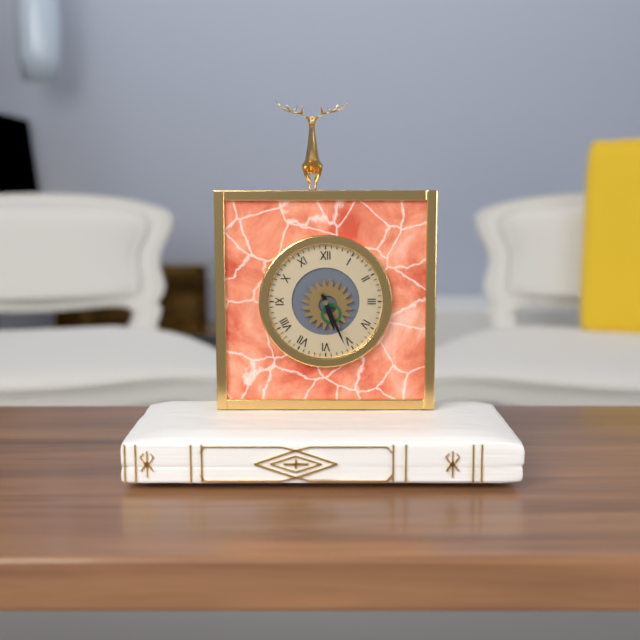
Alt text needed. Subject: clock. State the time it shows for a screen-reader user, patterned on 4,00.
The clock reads 5,26
